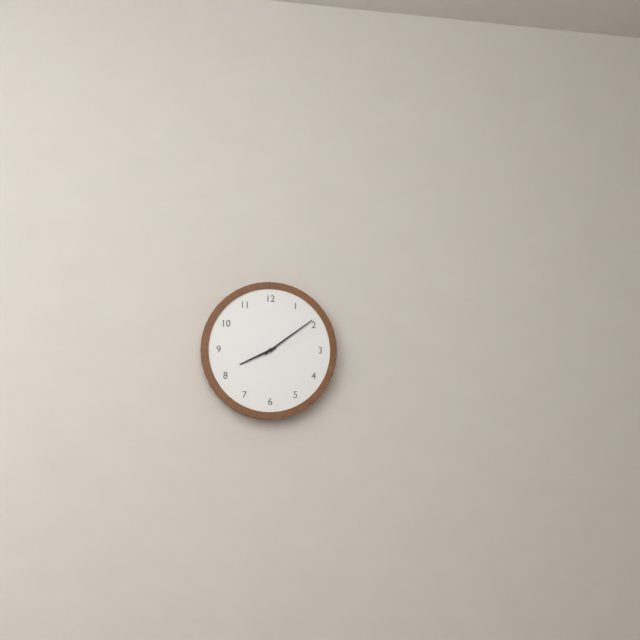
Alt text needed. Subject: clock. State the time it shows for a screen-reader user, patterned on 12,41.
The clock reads 8,09
